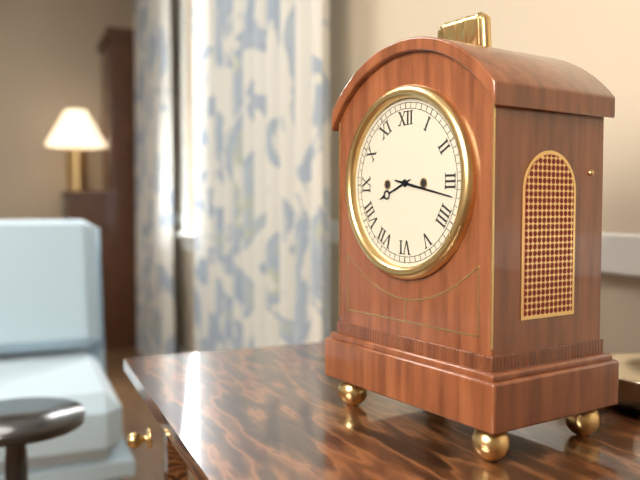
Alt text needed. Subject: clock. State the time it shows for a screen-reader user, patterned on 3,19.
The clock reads 8,17
